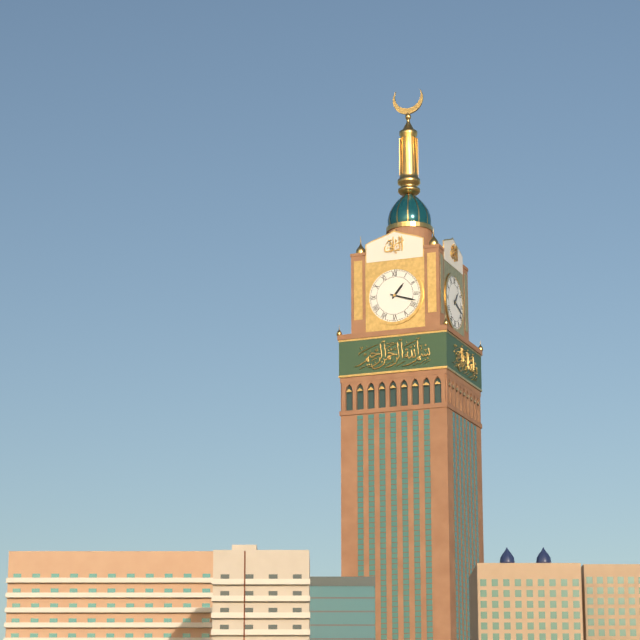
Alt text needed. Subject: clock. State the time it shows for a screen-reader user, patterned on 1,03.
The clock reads 1,18
